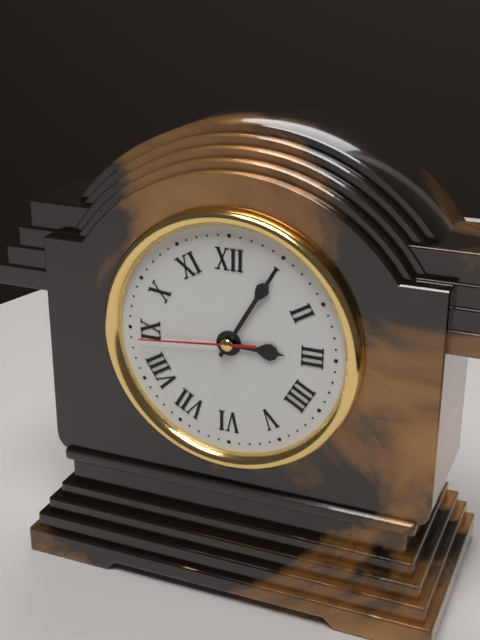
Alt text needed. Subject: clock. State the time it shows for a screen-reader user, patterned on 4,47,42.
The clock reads 3,05,44
